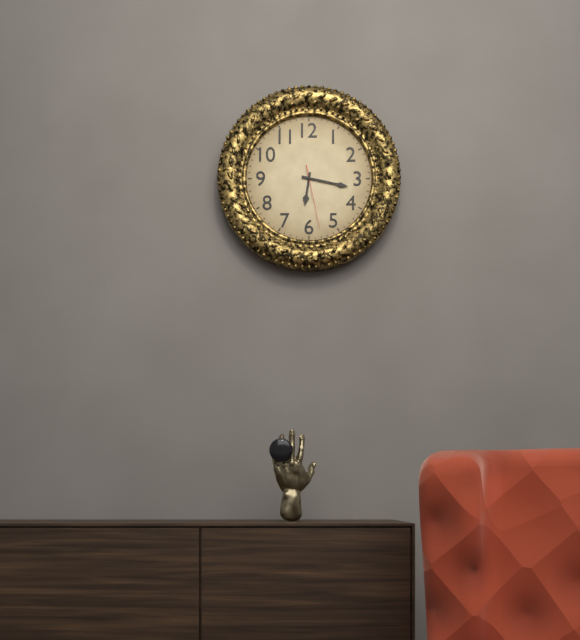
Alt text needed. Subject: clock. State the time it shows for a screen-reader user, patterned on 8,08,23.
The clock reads 6,17,28
